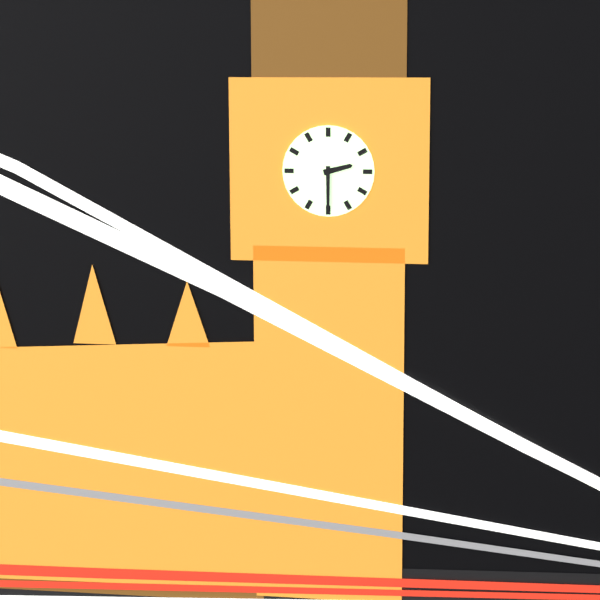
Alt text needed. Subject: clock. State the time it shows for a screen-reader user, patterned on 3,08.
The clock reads 2,30
